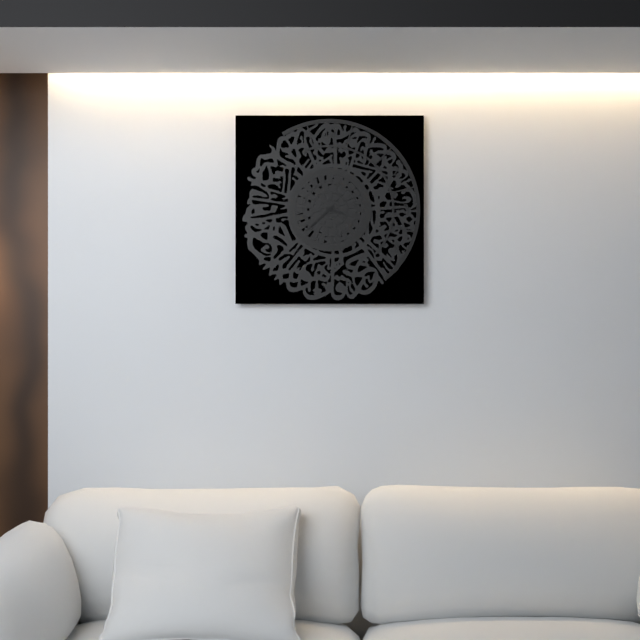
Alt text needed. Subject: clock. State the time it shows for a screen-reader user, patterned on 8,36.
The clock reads 3,38
